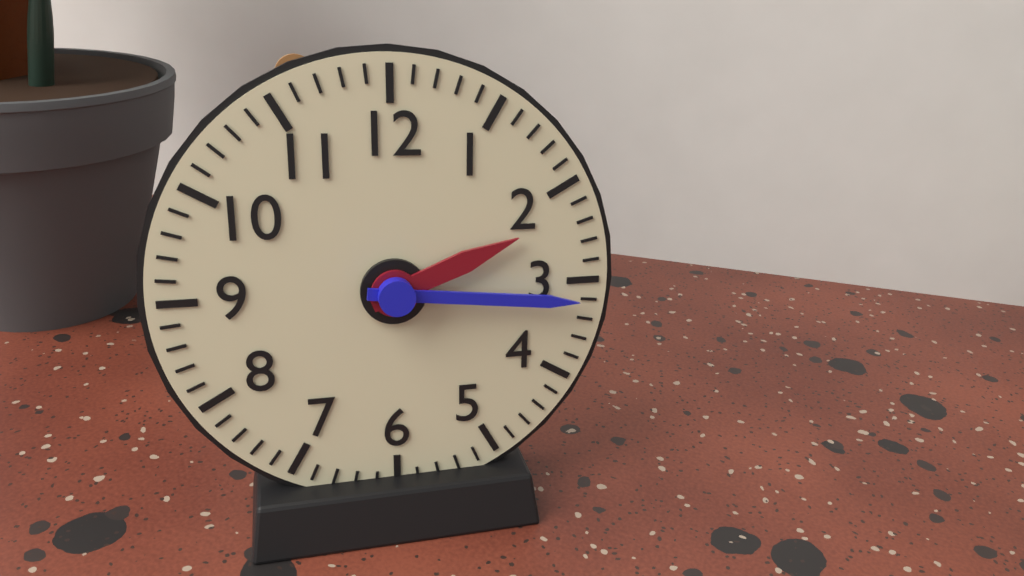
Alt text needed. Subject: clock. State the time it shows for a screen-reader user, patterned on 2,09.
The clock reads 2,16
